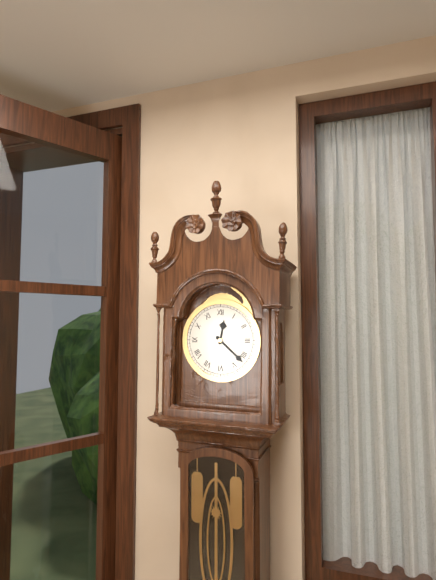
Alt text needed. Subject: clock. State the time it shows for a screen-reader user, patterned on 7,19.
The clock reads 12,22
